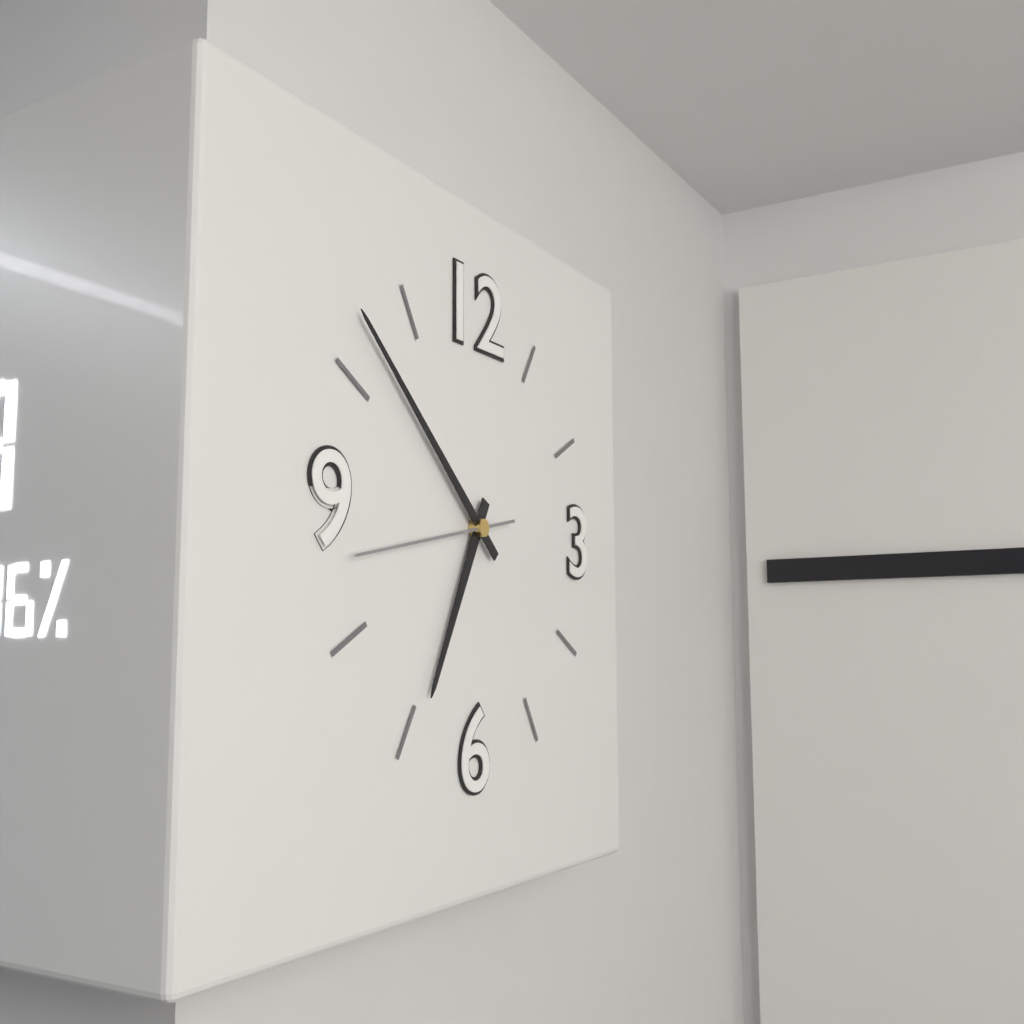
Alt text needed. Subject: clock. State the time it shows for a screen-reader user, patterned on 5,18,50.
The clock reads 6,52,43
